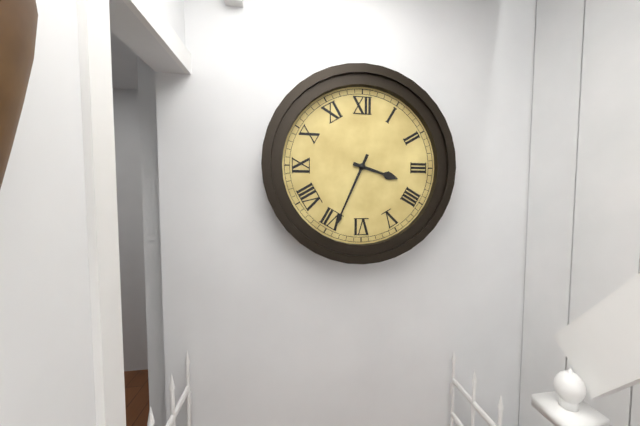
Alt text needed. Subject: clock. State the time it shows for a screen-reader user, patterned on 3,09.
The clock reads 3,34
